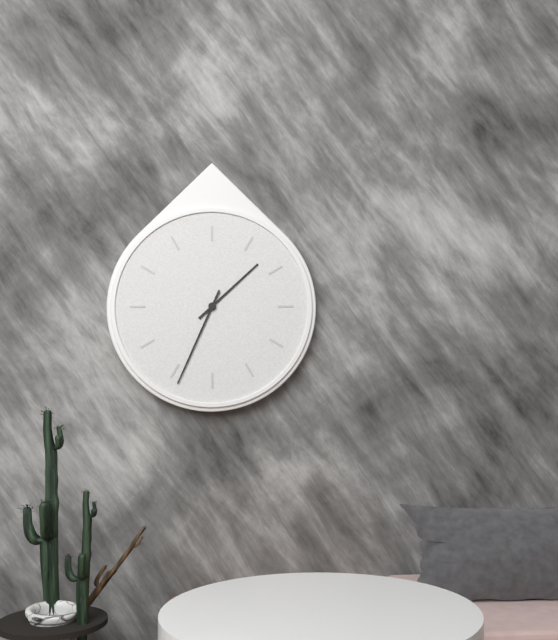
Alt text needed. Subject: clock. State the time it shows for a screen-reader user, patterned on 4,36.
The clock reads 1,34
